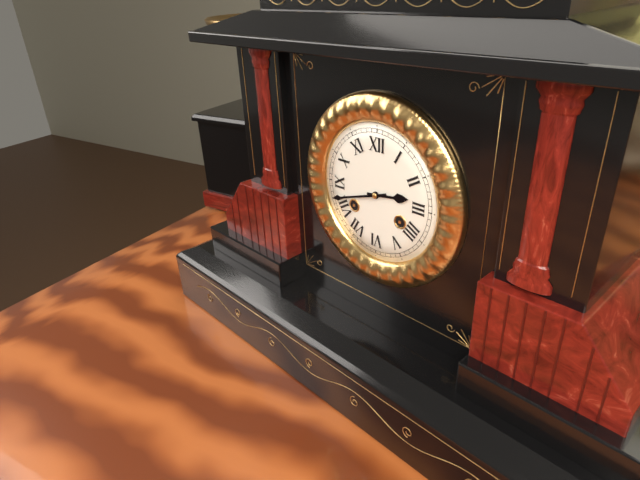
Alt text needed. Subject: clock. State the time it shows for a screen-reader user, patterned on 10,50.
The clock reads 2,42
